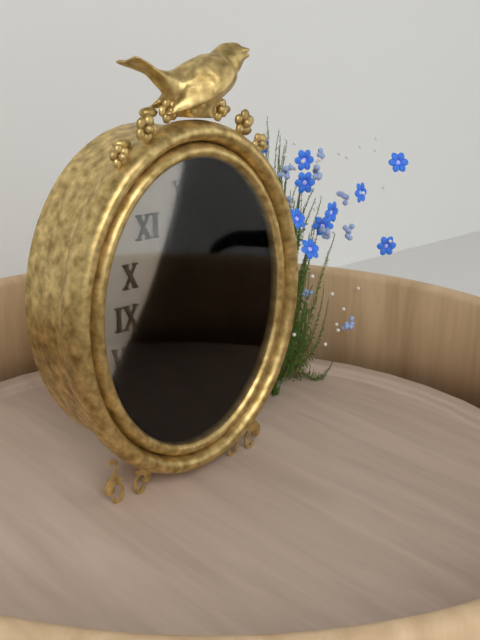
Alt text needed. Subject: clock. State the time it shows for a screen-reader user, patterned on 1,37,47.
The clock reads 3,01,20
